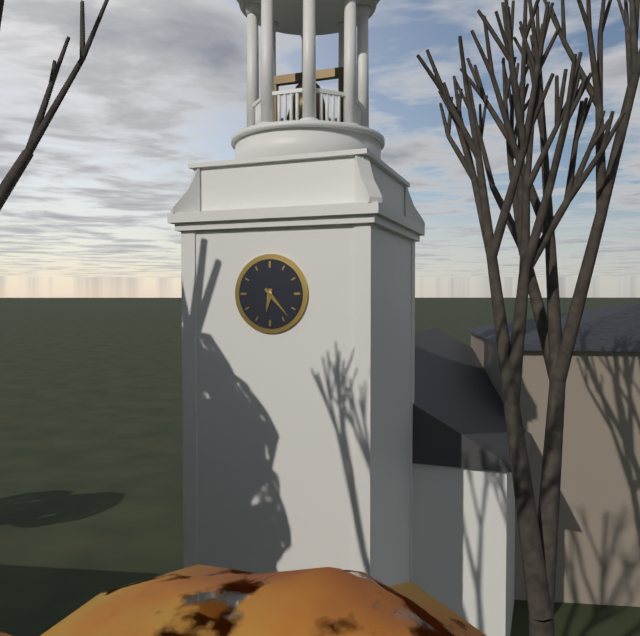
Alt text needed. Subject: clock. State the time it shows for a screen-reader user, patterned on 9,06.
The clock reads 6,23
